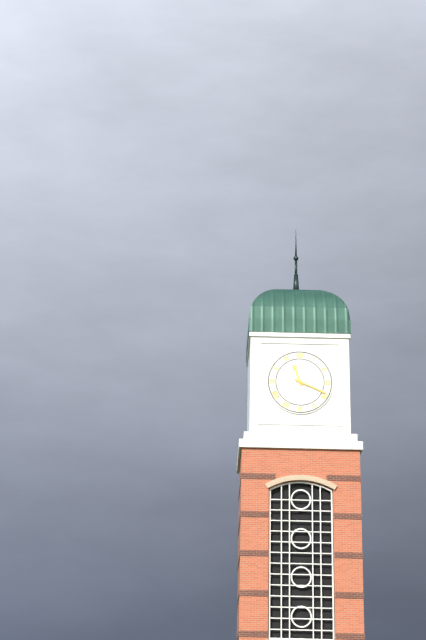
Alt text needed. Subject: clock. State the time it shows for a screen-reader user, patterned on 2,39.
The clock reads 11,19
